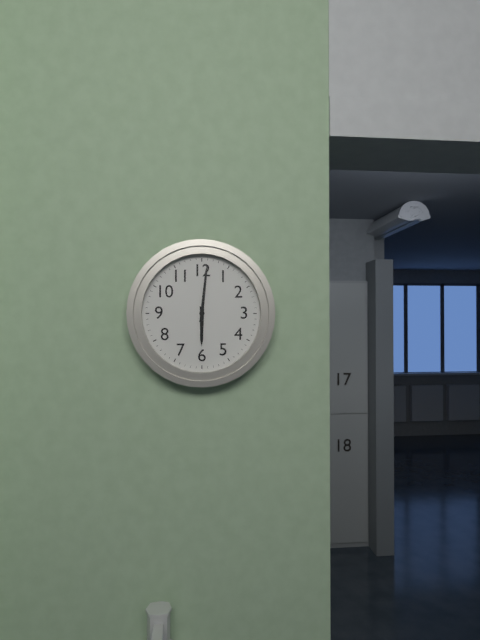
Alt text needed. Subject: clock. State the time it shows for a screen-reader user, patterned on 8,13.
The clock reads 6,01
